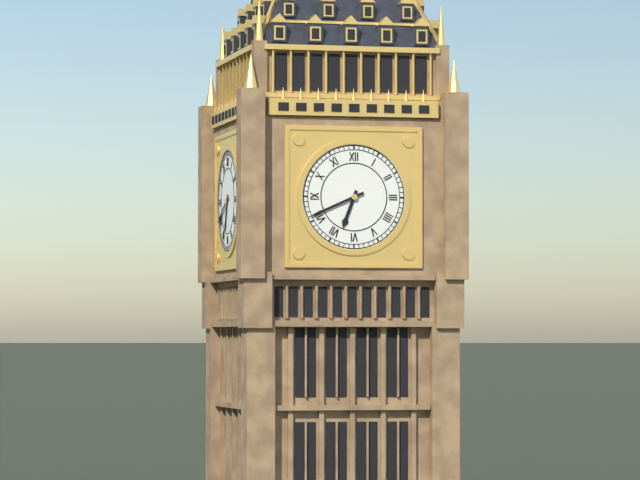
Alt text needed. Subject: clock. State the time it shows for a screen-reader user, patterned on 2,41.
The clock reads 6,41
